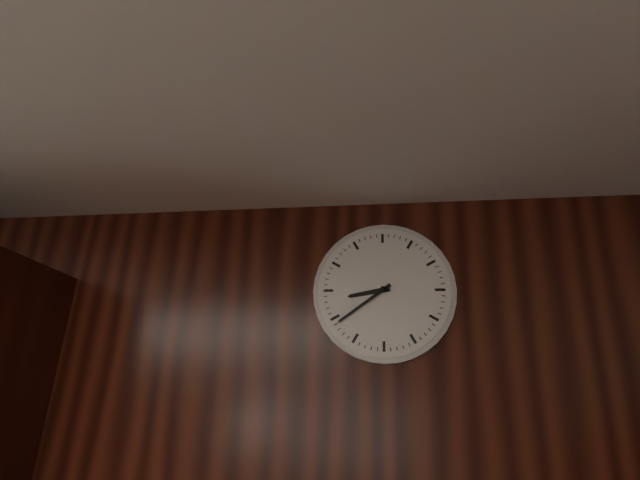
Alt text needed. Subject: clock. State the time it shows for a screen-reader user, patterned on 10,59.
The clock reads 8,39
